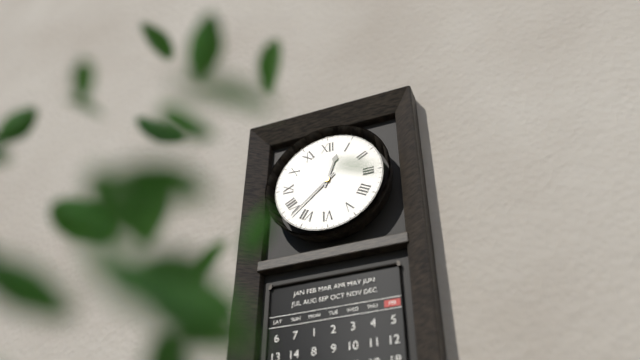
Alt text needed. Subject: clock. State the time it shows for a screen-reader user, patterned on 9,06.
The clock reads 12,38
